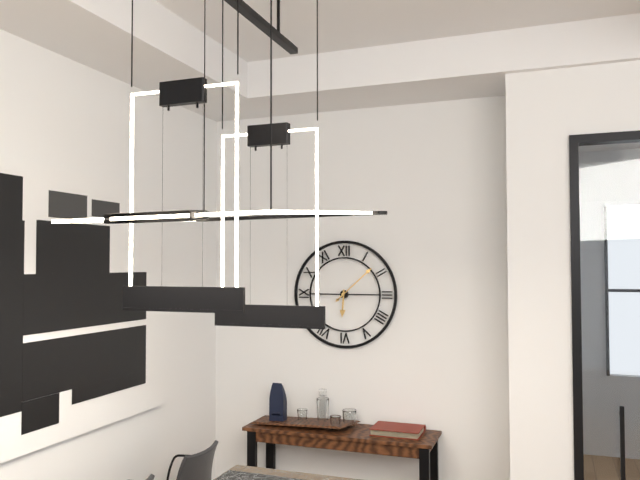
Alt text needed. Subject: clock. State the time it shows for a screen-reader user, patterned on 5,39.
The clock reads 6,08
